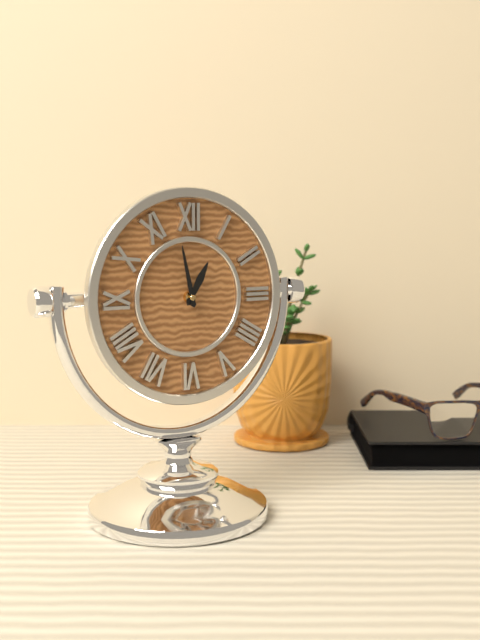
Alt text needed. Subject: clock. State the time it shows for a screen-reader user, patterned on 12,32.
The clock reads 12,58
